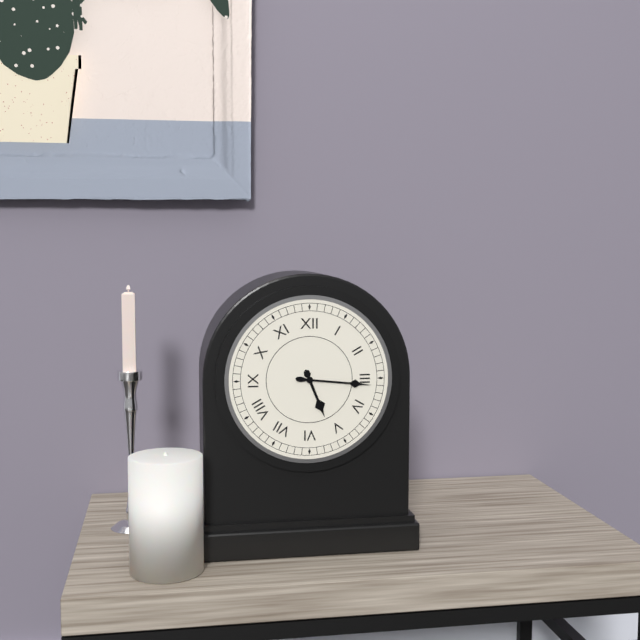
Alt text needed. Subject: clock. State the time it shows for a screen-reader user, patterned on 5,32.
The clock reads 5,16
